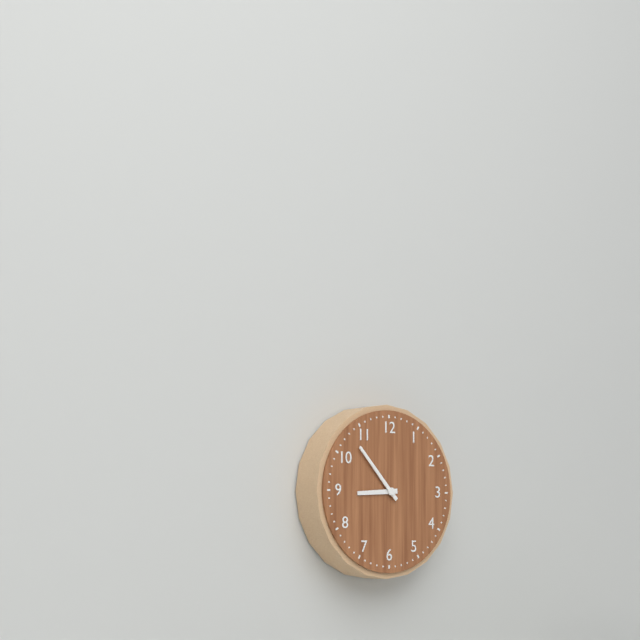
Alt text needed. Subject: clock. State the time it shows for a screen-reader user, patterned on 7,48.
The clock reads 8,53
